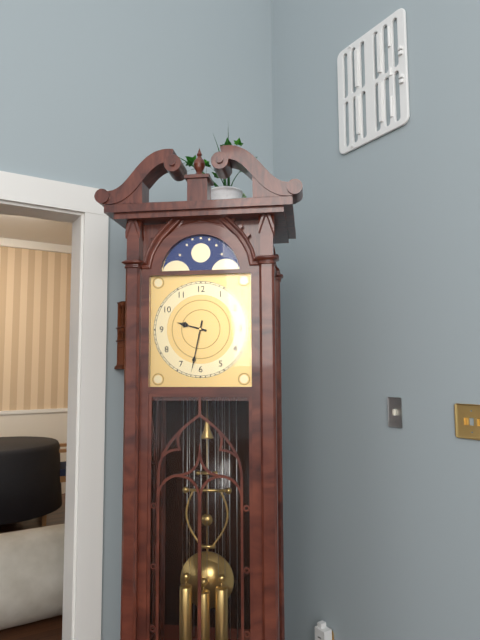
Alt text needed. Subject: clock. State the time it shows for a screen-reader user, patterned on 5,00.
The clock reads 9,32
